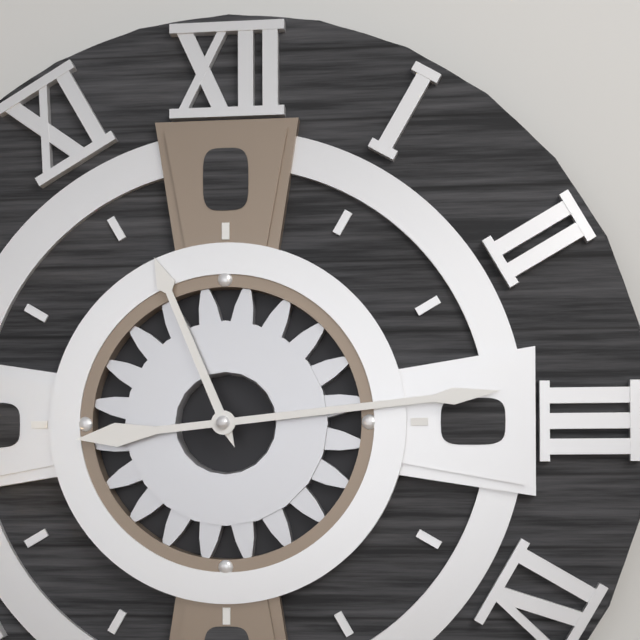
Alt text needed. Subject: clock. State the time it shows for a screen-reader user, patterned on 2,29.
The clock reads 11,14
